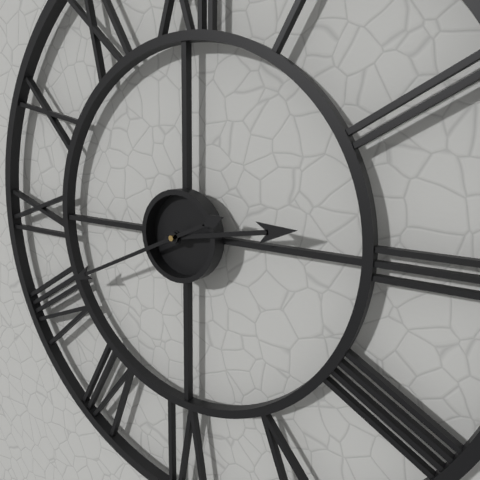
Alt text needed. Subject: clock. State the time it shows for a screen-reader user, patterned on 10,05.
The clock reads 2,41
